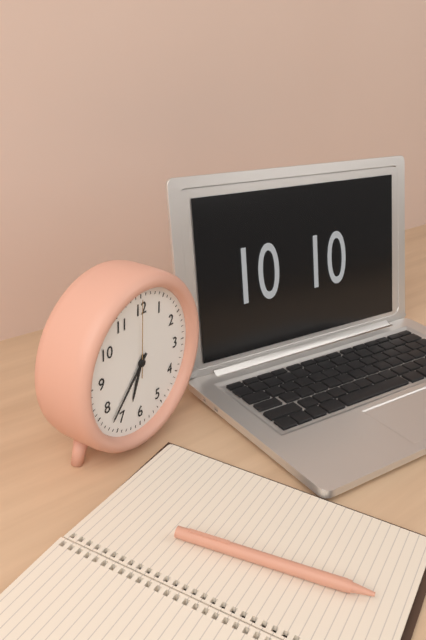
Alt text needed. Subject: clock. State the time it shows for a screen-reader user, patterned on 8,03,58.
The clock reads 6,37,00
